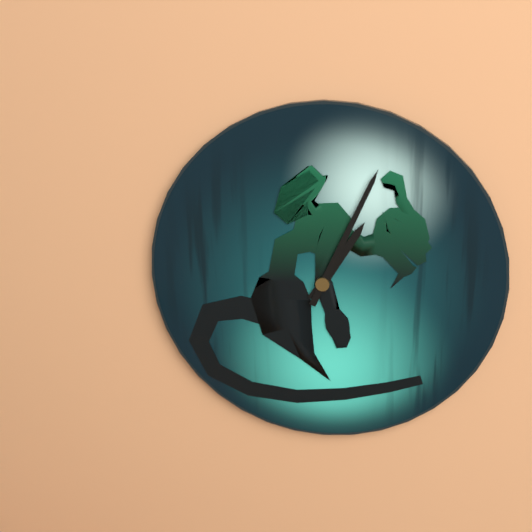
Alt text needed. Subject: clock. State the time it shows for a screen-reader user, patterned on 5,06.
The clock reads 1,04
